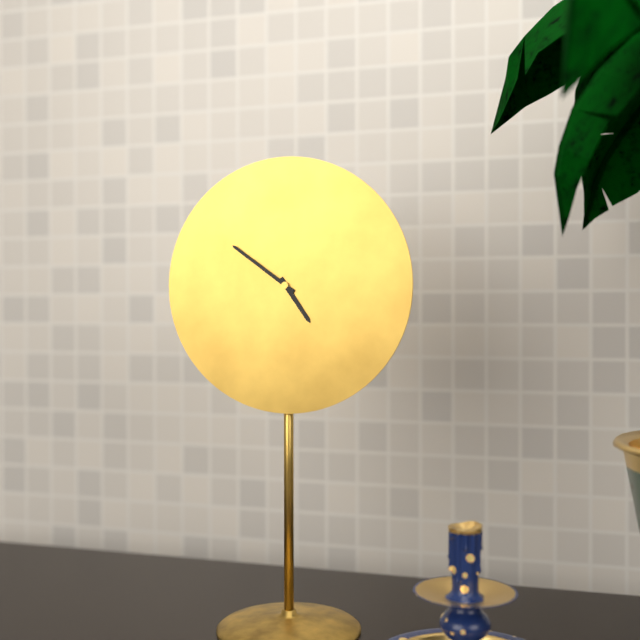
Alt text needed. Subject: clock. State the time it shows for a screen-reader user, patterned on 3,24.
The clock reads 4,51
